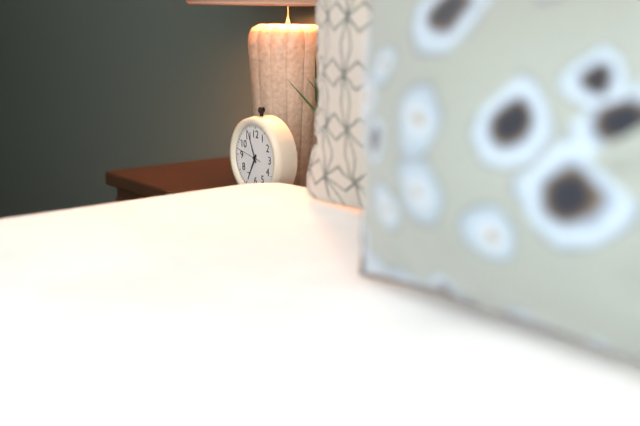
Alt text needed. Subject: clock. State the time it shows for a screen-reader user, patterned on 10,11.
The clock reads 6,56
